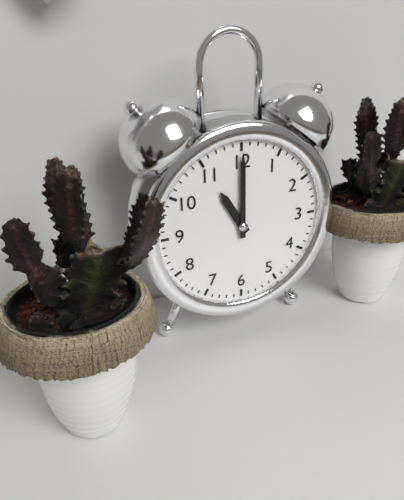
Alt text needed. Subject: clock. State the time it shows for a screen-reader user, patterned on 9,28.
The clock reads 11,00
